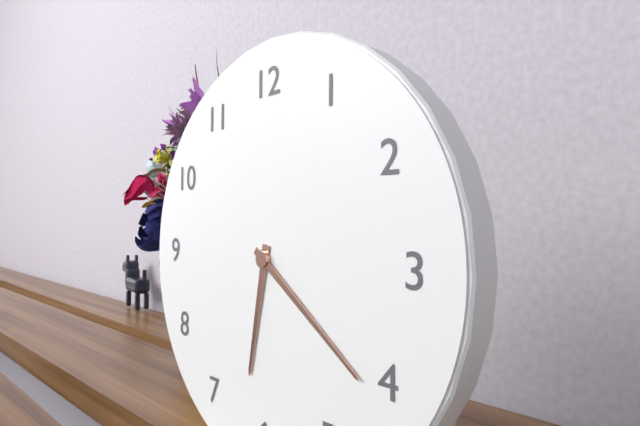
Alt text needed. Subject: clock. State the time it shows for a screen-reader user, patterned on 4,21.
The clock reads 6,21
